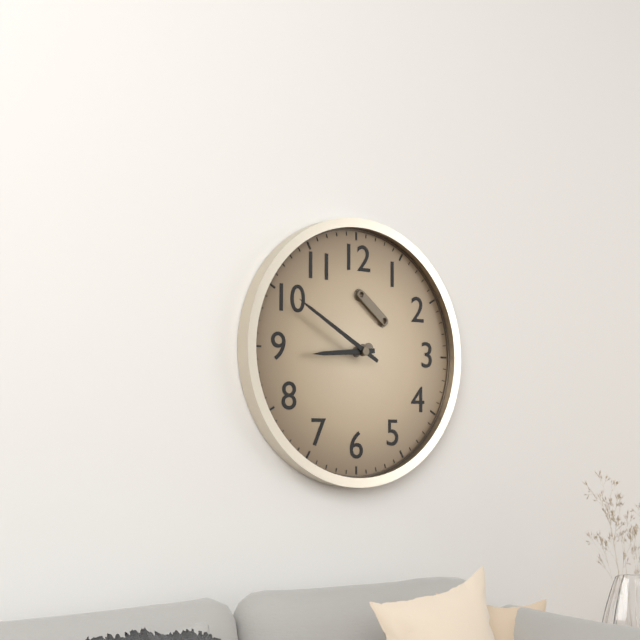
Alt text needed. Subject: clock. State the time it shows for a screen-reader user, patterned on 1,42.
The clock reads 8,50
